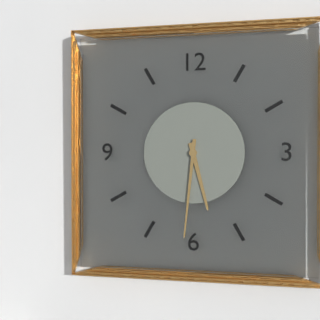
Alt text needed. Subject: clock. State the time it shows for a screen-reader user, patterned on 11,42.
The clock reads 5,31
